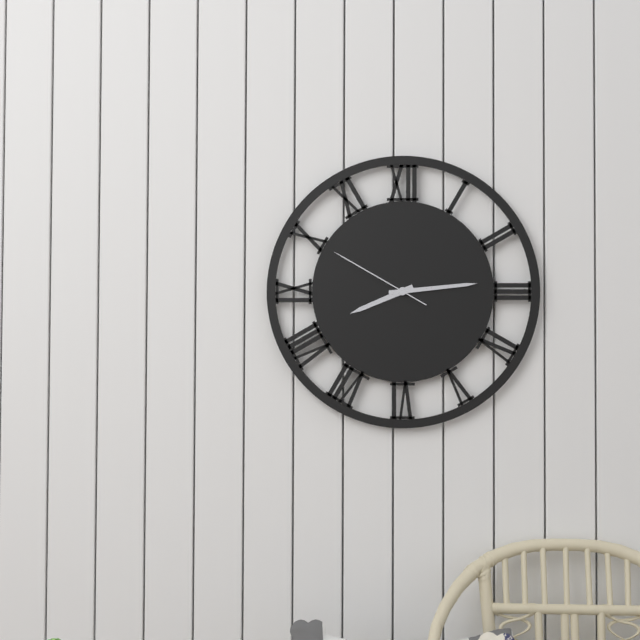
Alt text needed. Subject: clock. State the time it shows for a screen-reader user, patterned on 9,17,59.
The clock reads 8,14,50
